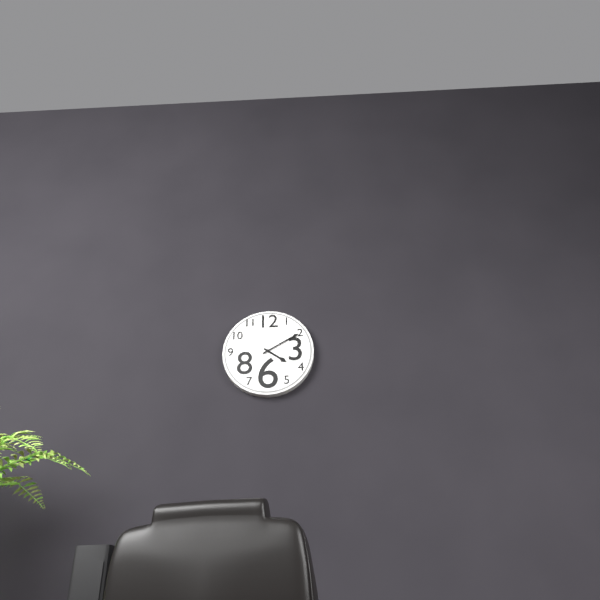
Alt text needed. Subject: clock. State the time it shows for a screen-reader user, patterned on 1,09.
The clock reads 4,10
